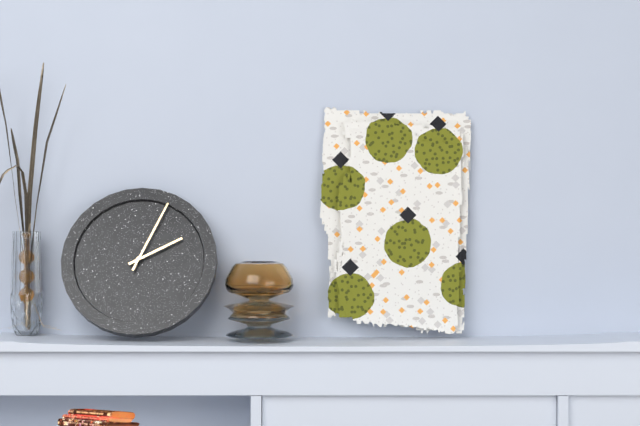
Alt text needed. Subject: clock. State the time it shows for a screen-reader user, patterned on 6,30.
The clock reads 2,04
